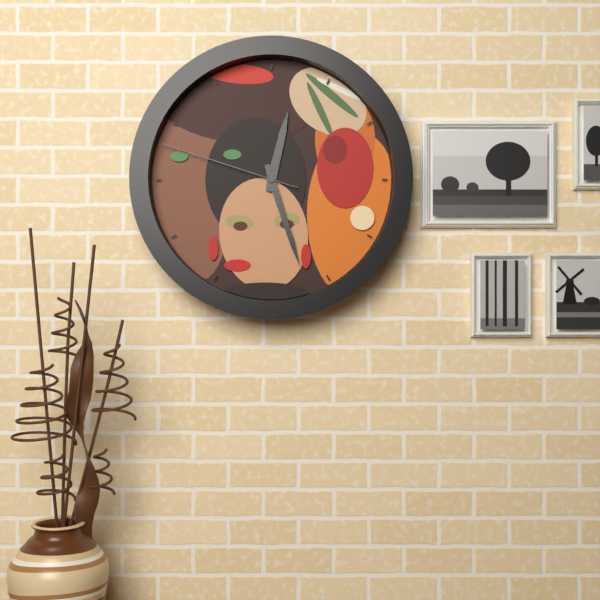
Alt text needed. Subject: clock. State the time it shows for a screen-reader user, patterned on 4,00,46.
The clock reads 12,27,48
